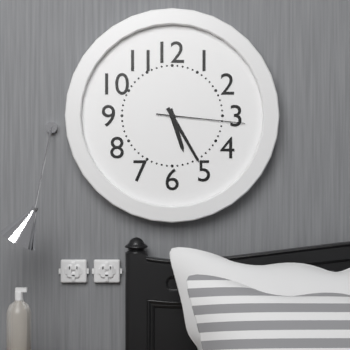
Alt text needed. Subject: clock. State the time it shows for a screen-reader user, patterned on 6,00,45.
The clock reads 5,25,16
